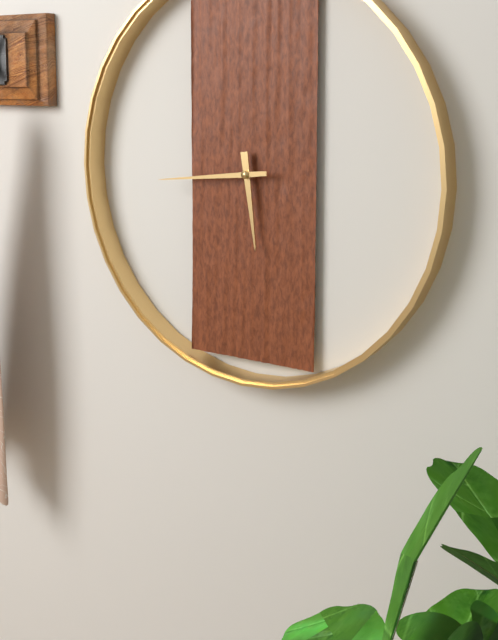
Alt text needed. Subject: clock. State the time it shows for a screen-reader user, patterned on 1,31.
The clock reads 5,44
